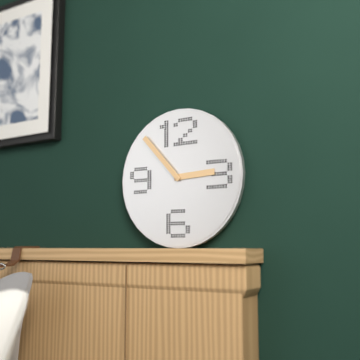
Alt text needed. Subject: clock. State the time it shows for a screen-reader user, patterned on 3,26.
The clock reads 2,53
